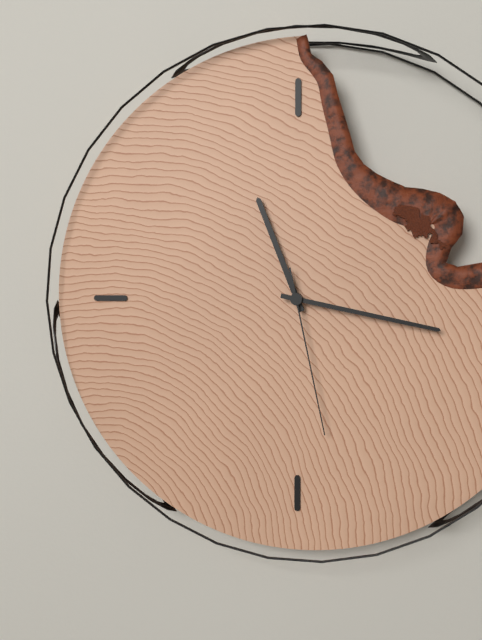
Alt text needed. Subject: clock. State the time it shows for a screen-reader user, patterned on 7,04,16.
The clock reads 11,17,28
